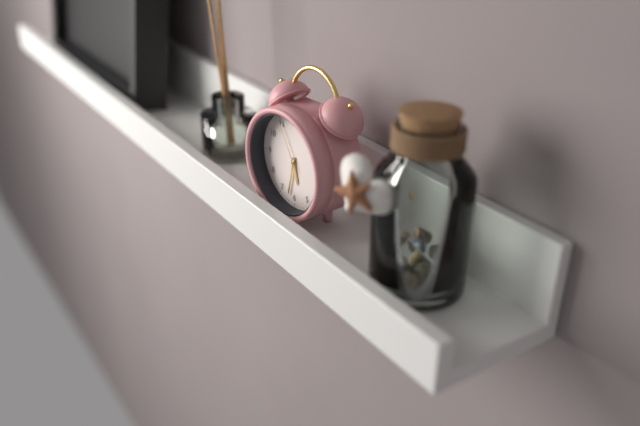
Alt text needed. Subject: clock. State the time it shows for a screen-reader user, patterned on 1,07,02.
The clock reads 5,32,55
